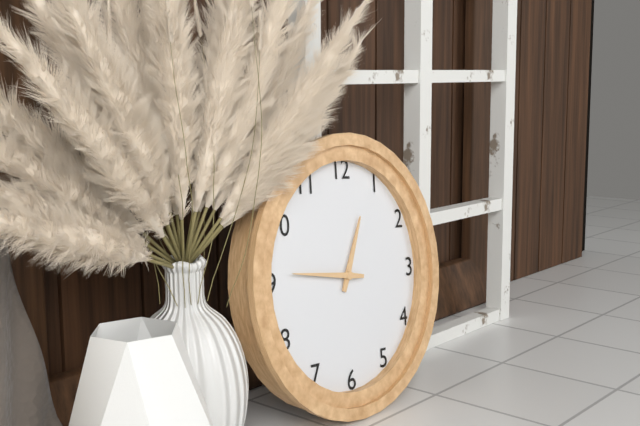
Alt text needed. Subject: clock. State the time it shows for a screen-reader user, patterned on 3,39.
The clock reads 12,46
